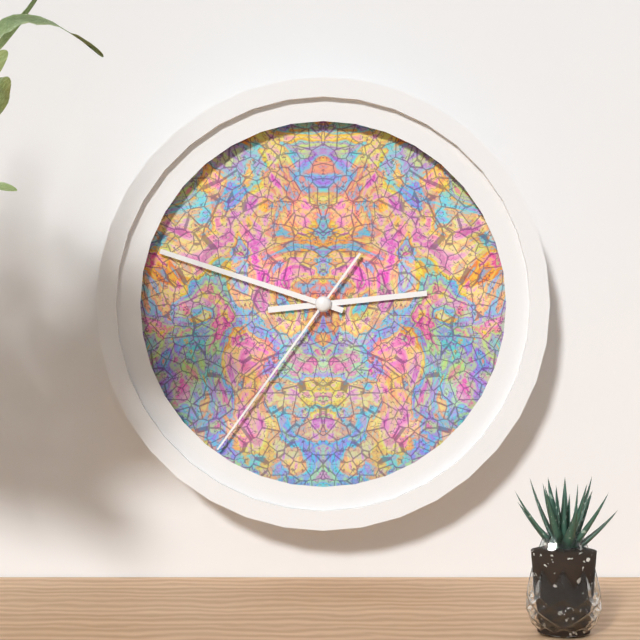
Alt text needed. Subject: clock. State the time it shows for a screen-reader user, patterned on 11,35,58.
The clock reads 2,48,36
